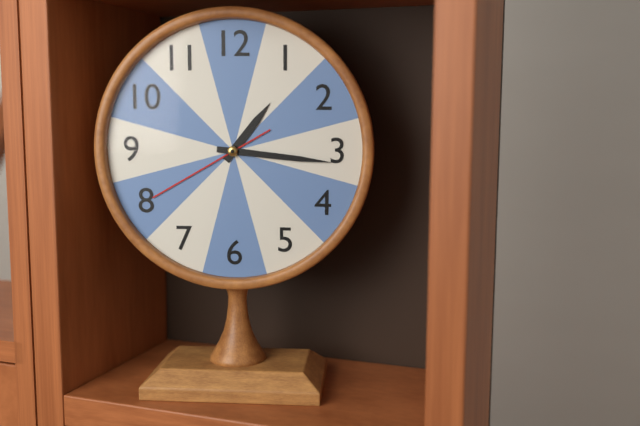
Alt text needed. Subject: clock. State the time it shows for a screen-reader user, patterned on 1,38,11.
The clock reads 1,16,40
